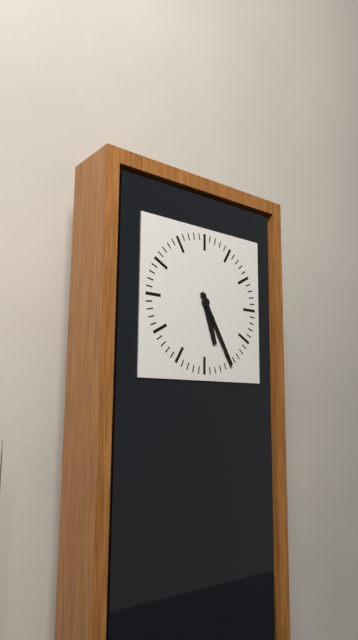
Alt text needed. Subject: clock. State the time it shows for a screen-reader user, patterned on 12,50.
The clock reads 5,25
